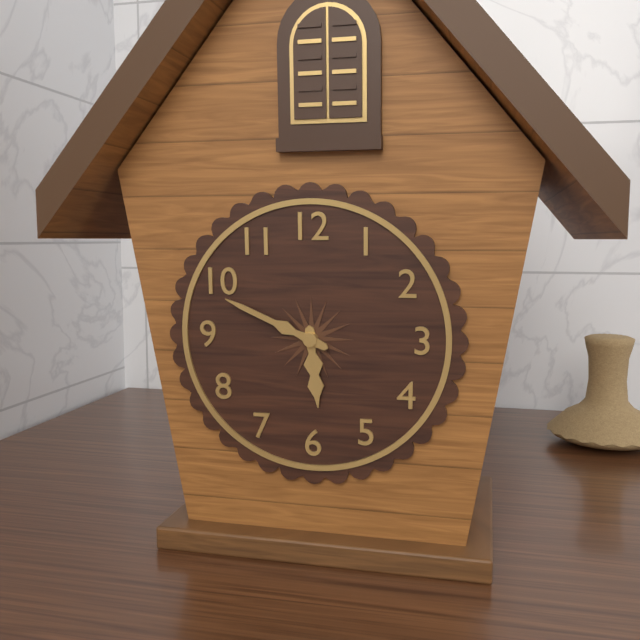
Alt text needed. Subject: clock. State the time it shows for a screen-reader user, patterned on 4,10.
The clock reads 5,49
